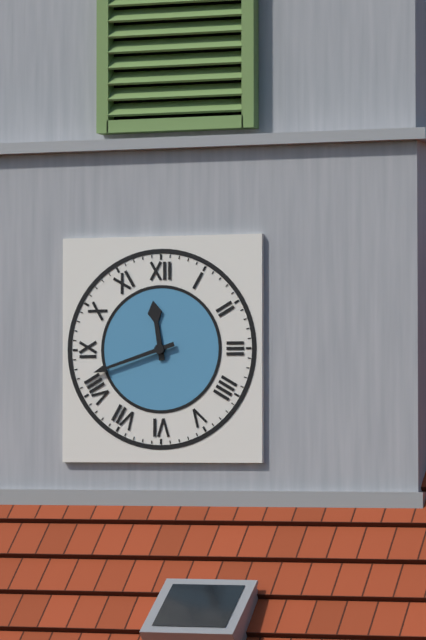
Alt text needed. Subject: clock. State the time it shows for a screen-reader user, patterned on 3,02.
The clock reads 11,42
